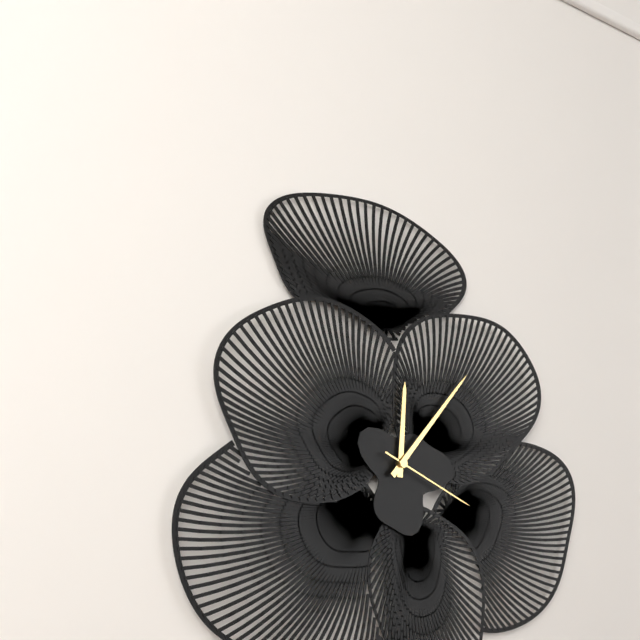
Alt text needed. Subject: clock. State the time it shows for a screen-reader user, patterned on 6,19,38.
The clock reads 12,07,19
